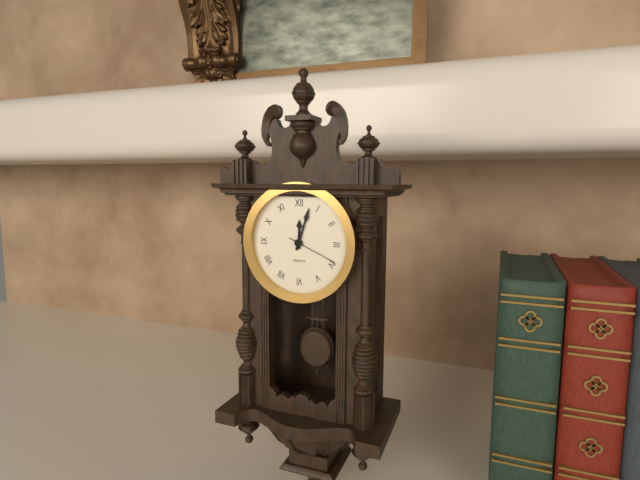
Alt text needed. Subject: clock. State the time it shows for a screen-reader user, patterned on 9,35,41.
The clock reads 12,03,19
